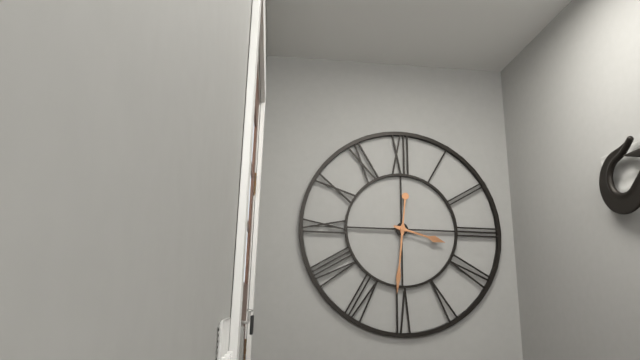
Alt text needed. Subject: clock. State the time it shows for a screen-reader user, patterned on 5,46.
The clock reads 3,31
